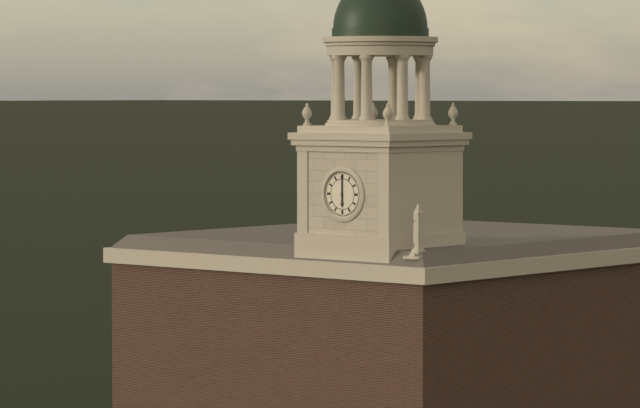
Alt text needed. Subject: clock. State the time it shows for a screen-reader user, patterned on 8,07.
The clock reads 6,00
